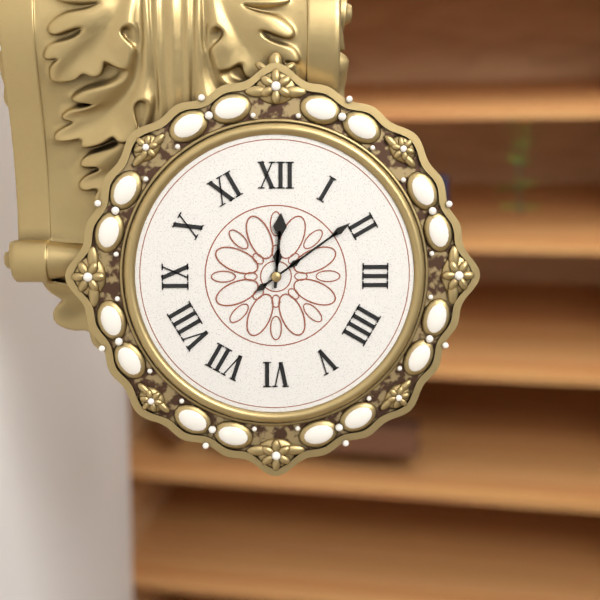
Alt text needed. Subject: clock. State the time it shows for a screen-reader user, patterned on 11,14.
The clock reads 12,09
